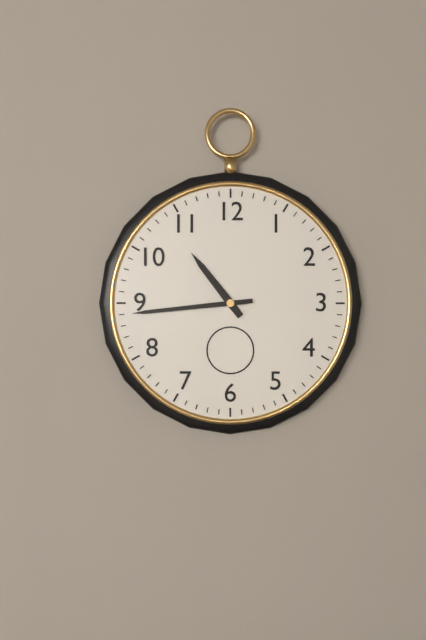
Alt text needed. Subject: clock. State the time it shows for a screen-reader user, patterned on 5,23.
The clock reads 10,44
